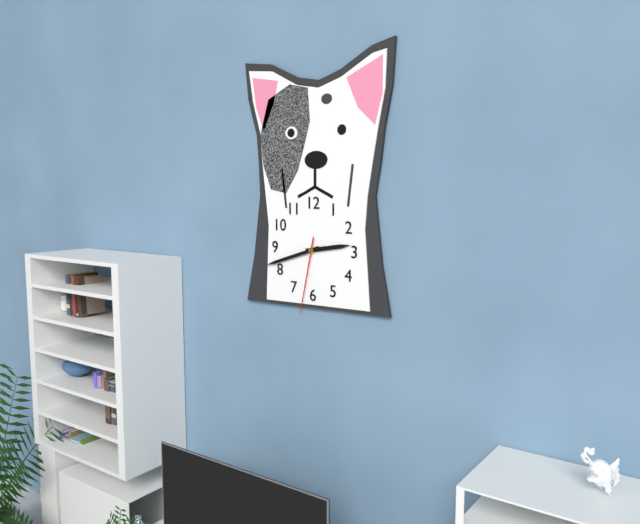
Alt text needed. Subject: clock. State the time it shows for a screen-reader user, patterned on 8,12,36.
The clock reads 2,42,32
